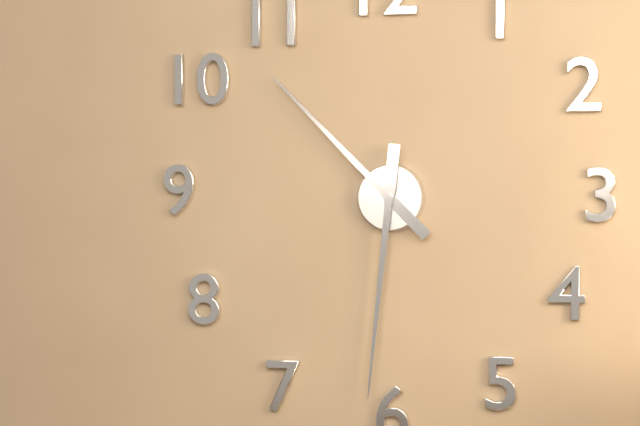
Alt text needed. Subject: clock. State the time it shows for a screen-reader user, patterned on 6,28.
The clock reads 10,31
